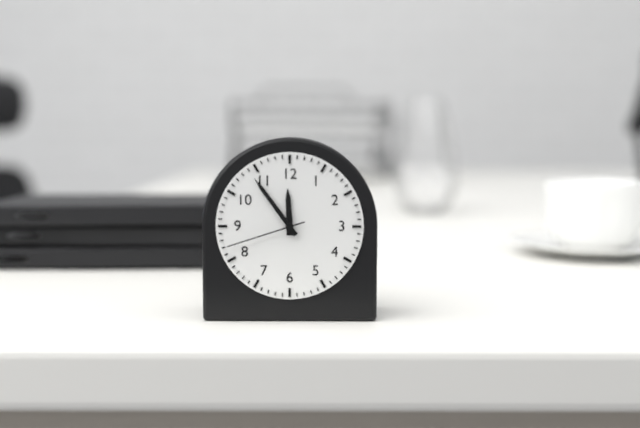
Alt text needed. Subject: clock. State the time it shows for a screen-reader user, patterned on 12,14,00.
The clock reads 11,54,42
